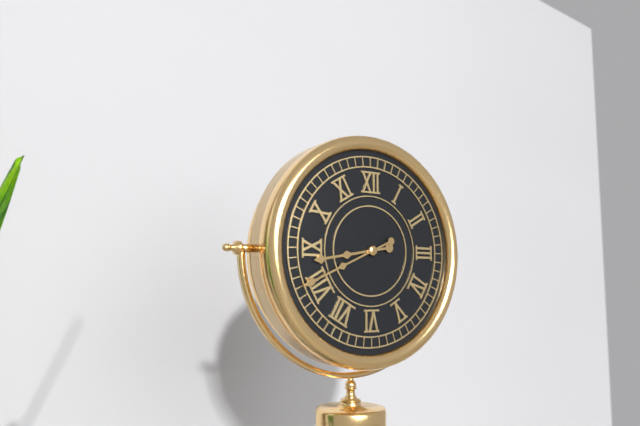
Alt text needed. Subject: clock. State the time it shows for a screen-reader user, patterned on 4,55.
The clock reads 8,41
